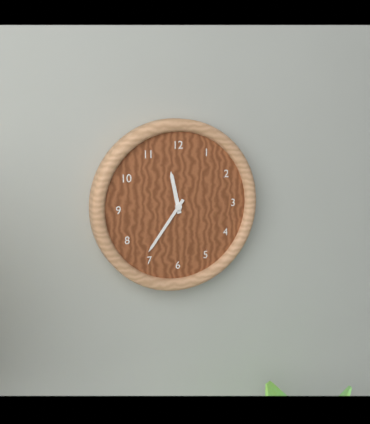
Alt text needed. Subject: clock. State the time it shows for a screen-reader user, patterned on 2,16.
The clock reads 11,36
